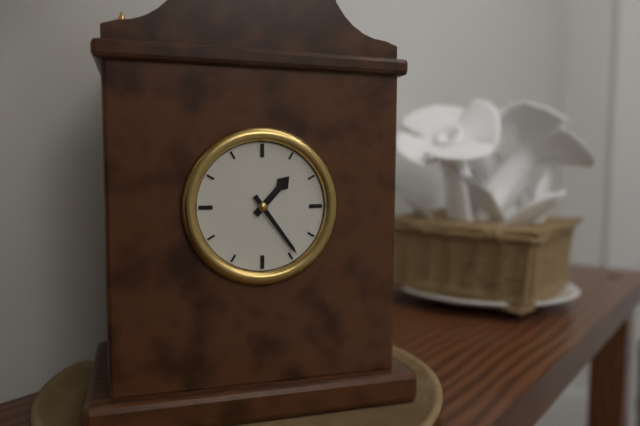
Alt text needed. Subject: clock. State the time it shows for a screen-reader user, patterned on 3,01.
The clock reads 1,24
